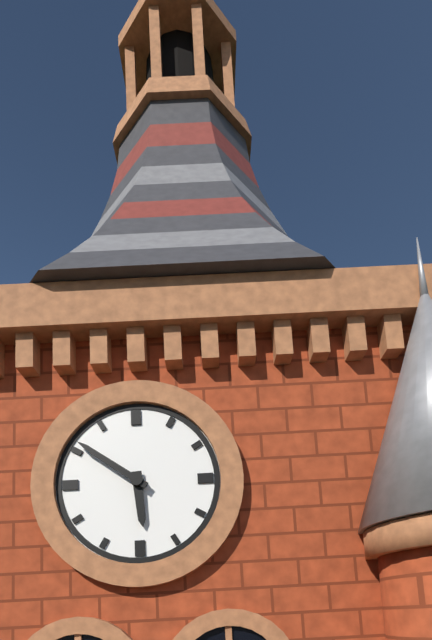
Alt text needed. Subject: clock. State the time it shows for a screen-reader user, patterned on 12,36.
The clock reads 5,51
